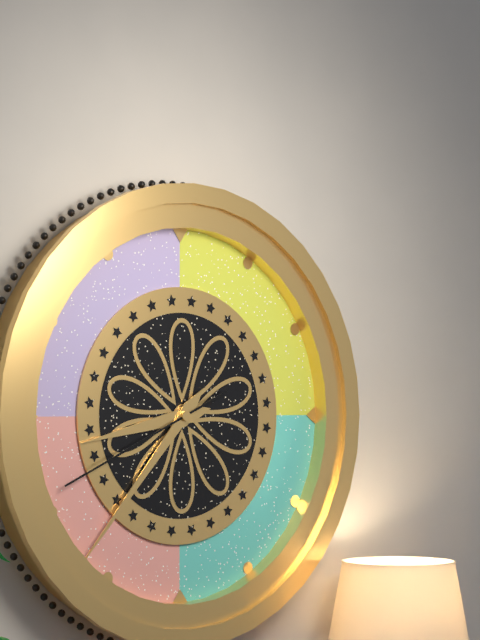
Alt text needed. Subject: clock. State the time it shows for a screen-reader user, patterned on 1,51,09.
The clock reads 8,37,41
